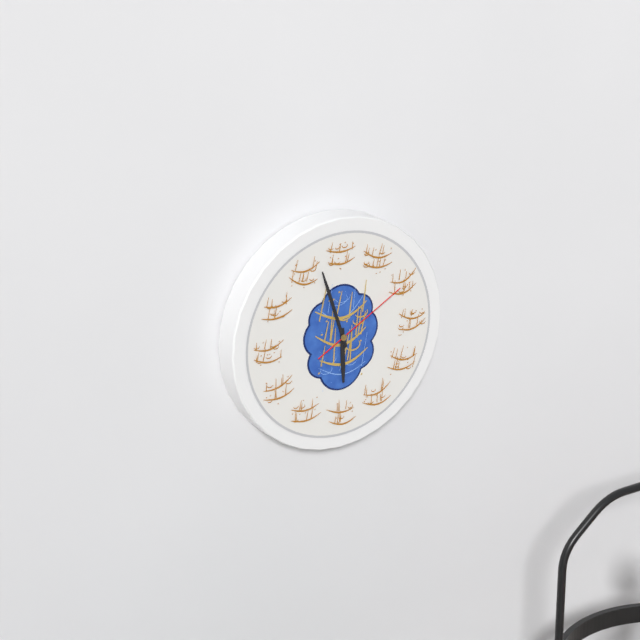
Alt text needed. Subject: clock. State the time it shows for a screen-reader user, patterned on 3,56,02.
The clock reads 5,57,10
